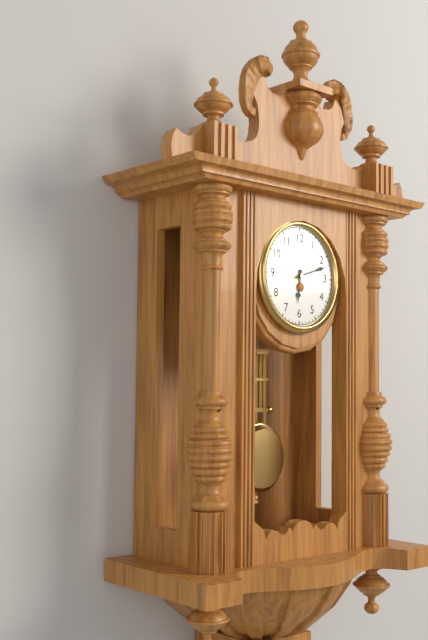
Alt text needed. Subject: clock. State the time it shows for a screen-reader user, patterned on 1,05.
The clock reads 6,12
